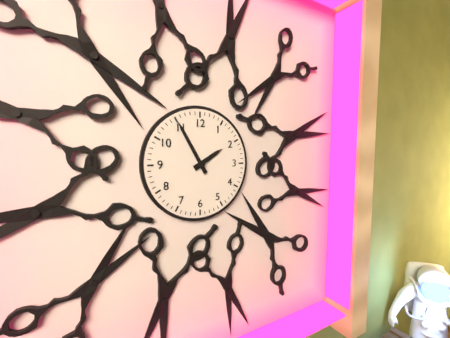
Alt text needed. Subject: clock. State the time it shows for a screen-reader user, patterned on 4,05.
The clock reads 1,55
